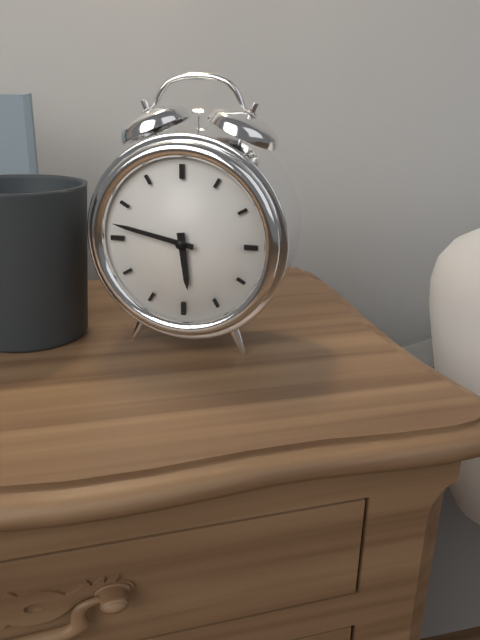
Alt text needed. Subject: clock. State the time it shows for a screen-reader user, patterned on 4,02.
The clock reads 5,47
